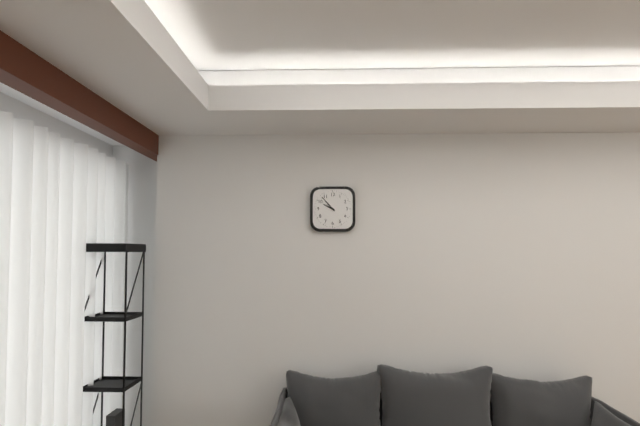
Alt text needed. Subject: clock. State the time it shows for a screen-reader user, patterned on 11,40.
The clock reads 9,53
